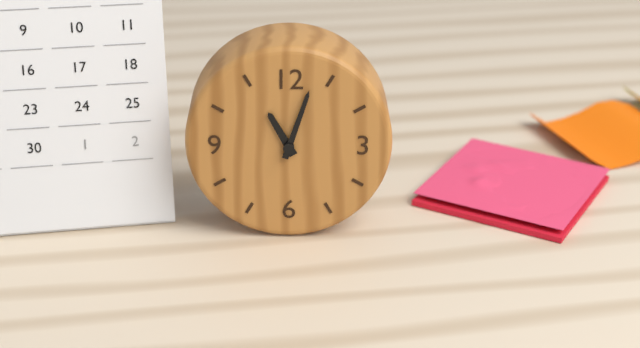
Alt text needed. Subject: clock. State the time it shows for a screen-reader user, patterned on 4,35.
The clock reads 11,03
